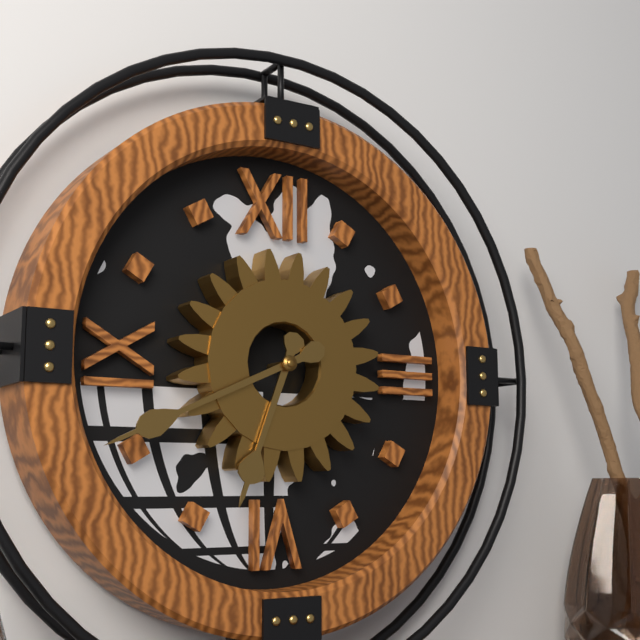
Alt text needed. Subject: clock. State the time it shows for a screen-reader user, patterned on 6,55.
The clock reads 6,41
